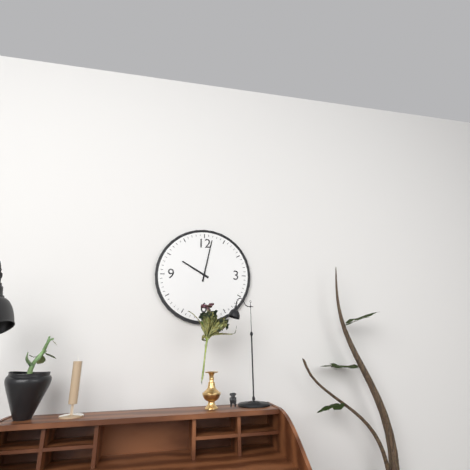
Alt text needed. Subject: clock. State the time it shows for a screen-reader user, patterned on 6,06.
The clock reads 10,02
